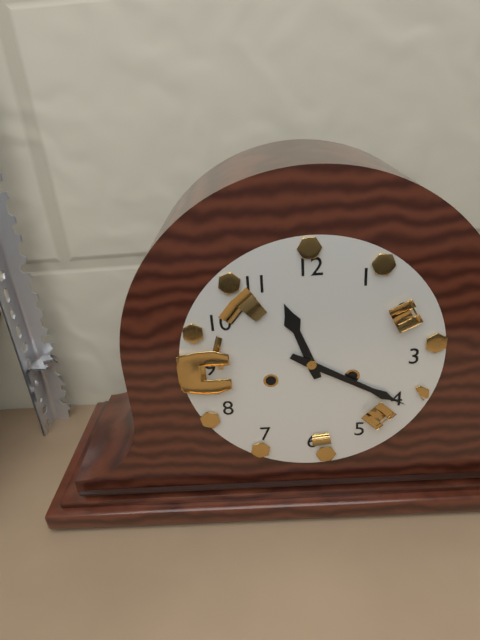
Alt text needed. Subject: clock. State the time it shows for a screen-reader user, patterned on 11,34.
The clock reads 11,20
